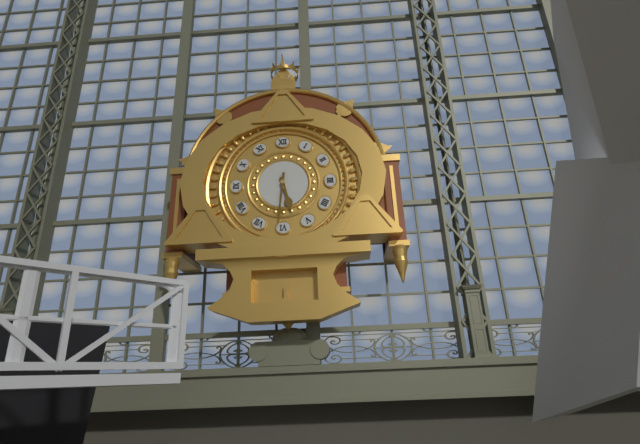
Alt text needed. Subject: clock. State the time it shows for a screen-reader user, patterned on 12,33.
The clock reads 5,31
